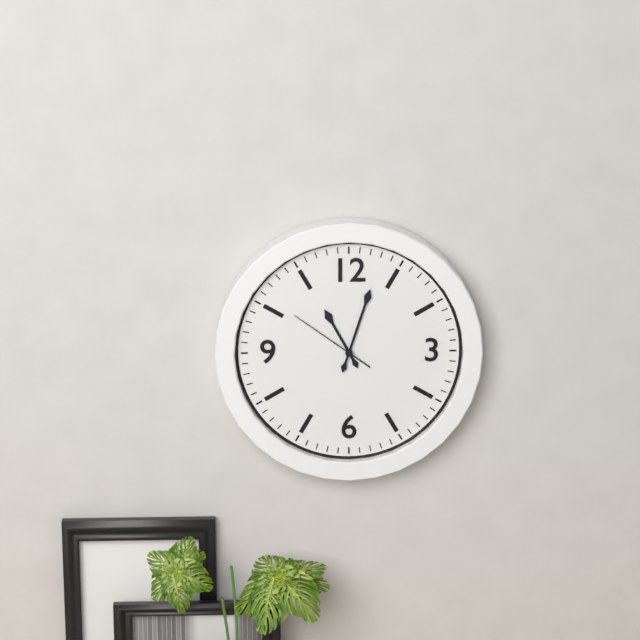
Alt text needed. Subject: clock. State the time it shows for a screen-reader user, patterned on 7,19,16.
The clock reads 11,03,51
